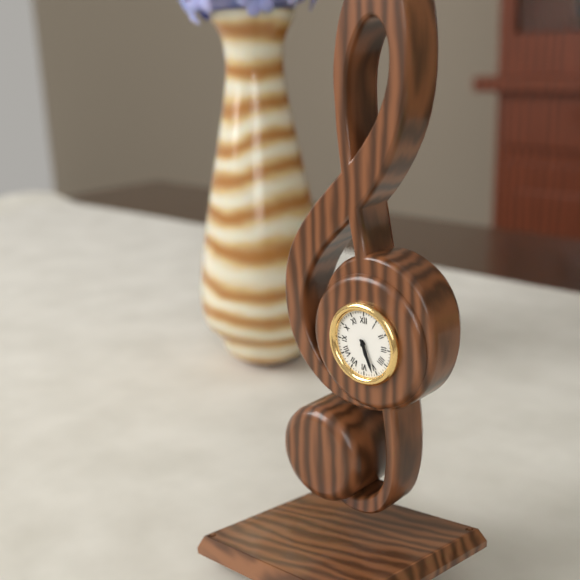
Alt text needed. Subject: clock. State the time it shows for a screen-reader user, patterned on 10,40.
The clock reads 5,26
